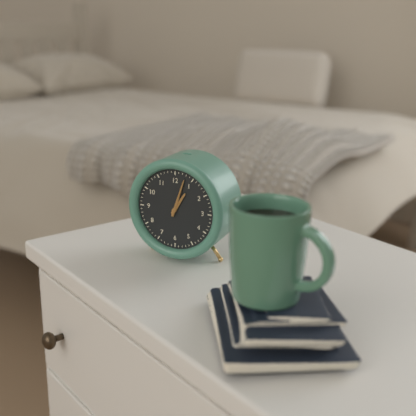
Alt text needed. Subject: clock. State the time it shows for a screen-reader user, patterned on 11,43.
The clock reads 1,03
